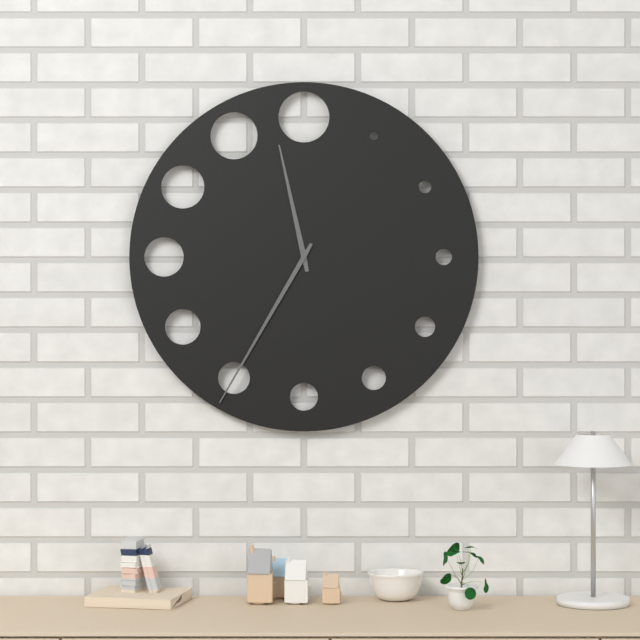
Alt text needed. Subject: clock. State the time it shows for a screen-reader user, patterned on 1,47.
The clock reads 11,35
